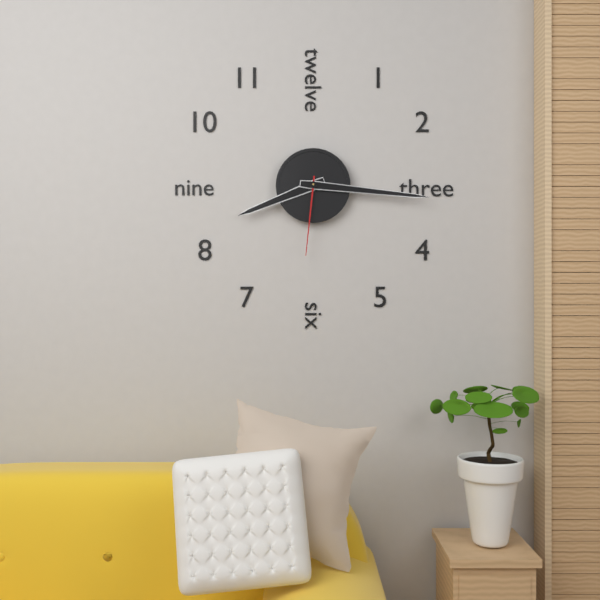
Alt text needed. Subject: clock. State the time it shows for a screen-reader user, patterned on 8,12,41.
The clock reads 8,16,31
